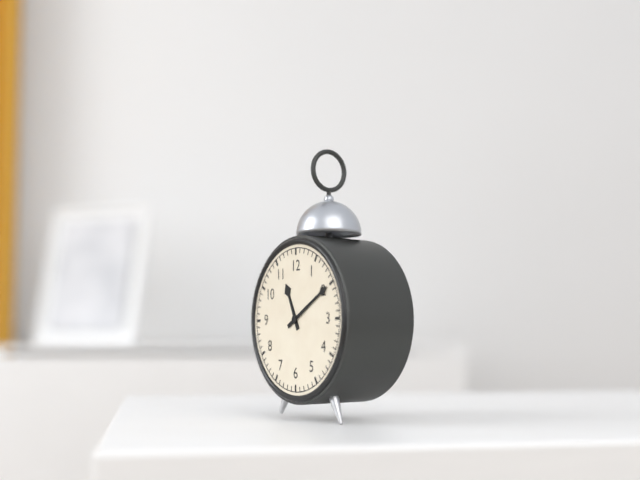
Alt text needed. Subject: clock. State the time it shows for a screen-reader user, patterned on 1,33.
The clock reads 11,10
